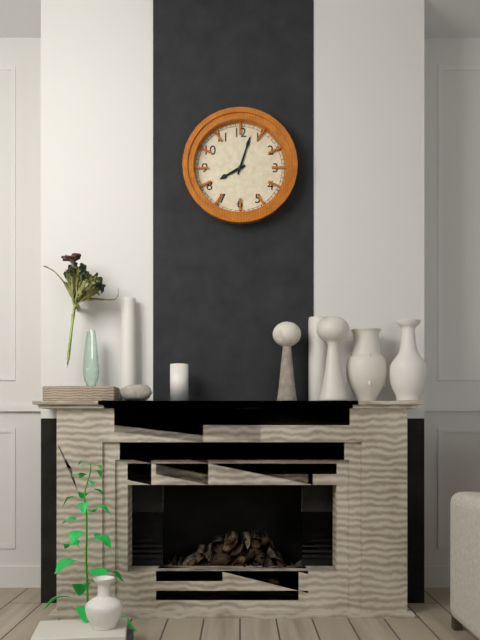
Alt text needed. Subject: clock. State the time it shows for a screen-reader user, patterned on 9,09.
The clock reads 8,03
